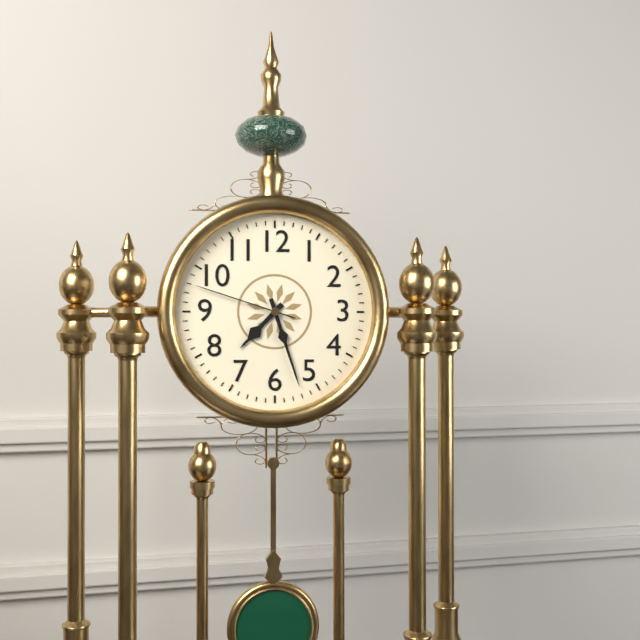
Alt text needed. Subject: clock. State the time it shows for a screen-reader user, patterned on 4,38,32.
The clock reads 7,27,48
